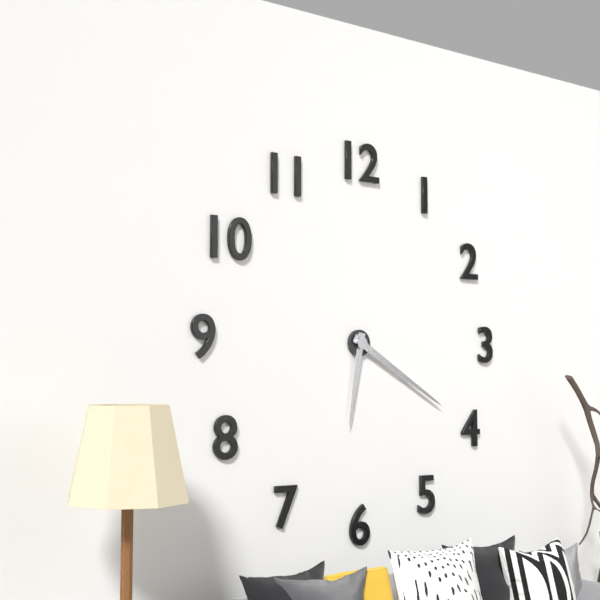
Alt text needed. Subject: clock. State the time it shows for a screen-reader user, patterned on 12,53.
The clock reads 6,20
